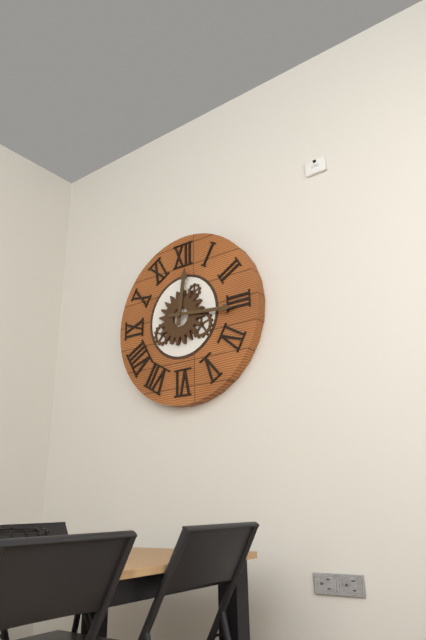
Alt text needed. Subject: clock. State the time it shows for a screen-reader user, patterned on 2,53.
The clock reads 12,16
